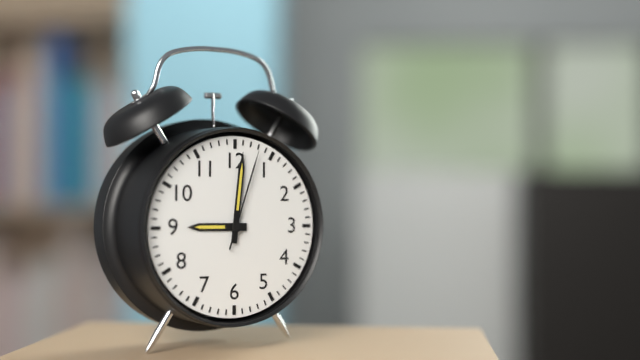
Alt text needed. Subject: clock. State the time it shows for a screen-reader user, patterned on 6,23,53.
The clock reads 9,01,03
